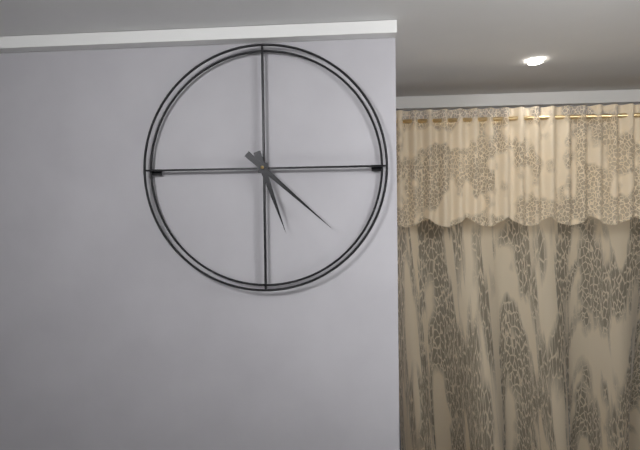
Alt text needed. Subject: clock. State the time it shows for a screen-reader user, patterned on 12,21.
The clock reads 5,22
